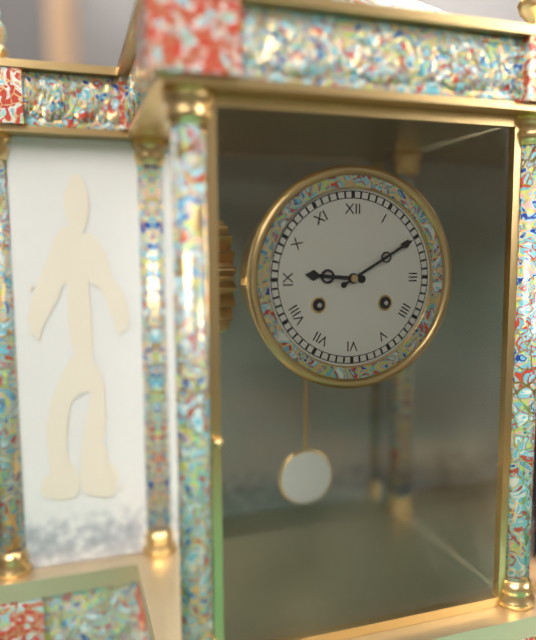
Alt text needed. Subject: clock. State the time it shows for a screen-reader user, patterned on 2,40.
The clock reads 9,10
